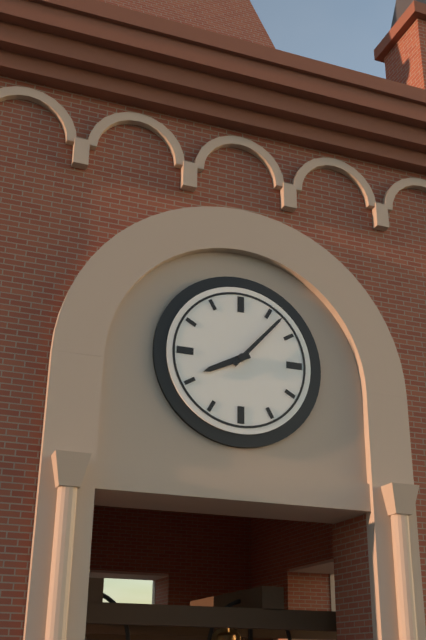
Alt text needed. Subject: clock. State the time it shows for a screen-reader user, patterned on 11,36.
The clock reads 8,07
